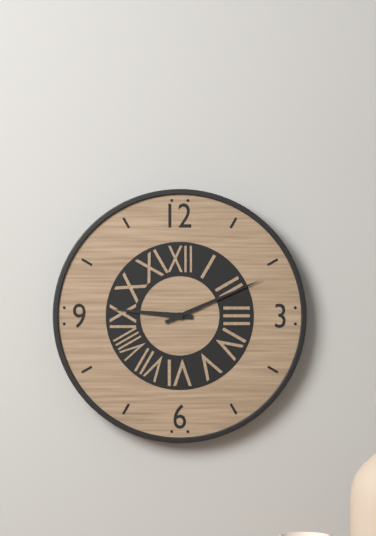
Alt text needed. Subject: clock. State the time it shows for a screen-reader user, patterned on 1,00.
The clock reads 9,11
